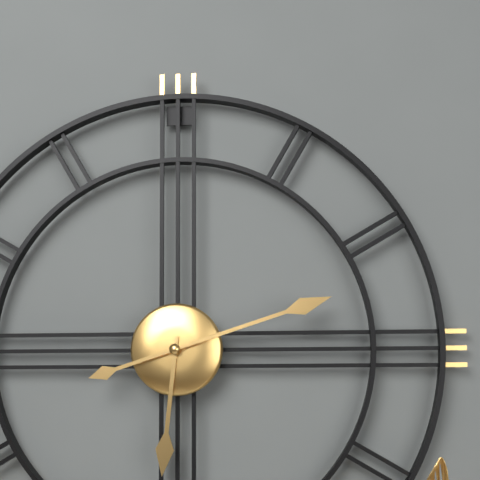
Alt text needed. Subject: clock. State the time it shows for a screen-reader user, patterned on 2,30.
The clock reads 6,12
